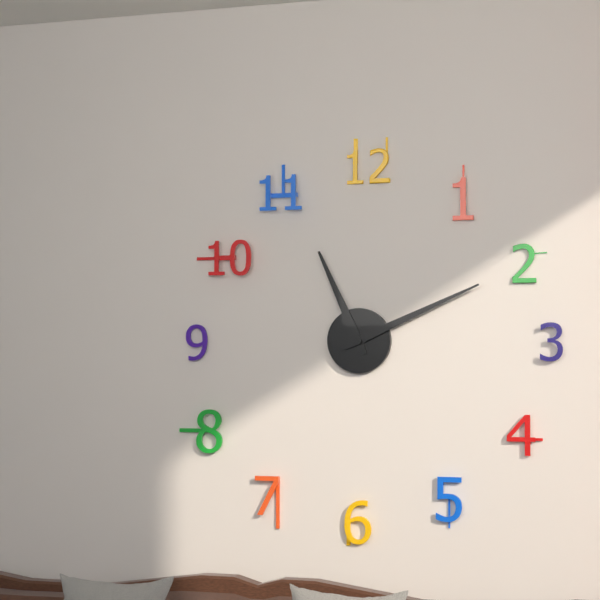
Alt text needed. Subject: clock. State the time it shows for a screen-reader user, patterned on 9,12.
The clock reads 11,11
